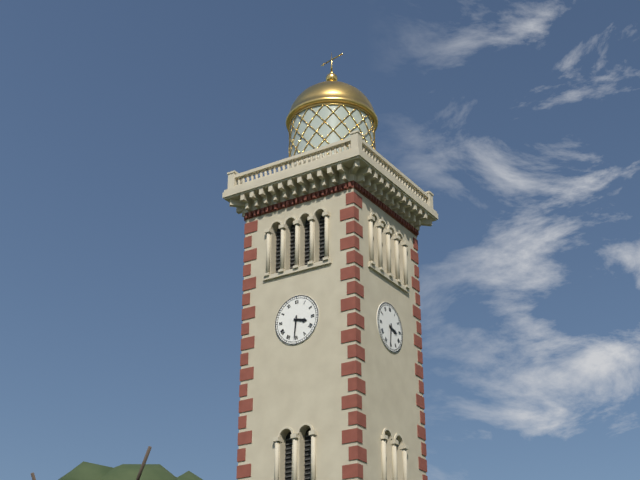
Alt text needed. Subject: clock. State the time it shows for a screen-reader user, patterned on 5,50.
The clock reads 3,31
